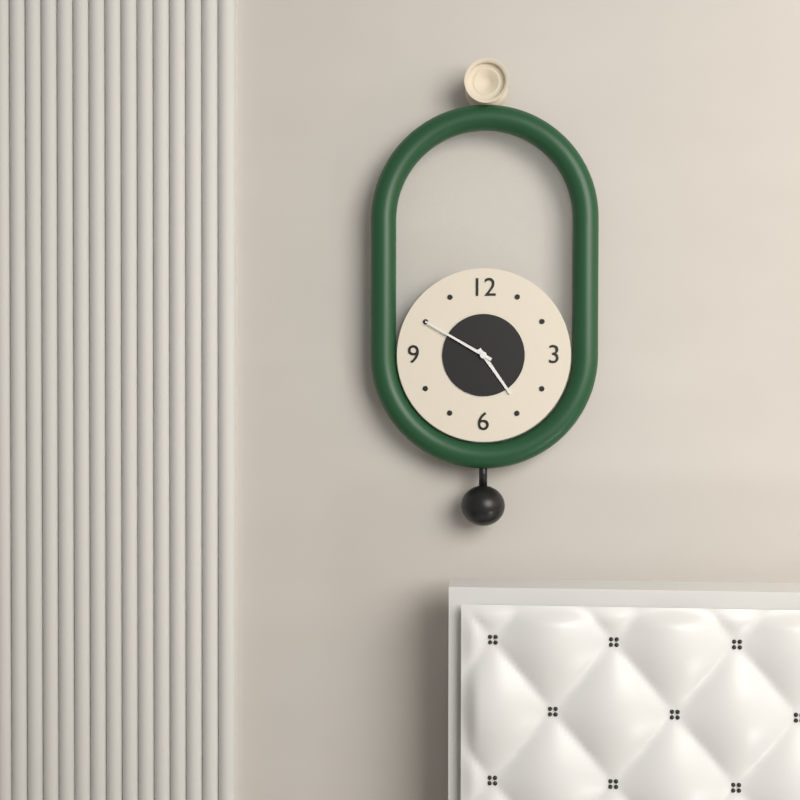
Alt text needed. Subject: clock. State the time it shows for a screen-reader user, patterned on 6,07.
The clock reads 4,50
